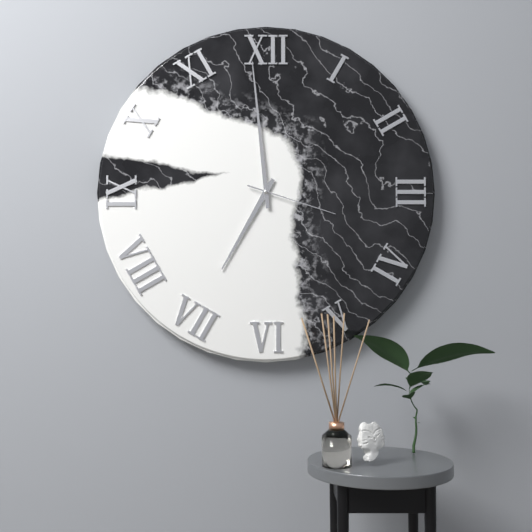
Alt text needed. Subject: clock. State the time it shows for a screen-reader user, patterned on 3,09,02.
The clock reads 6,59,18
